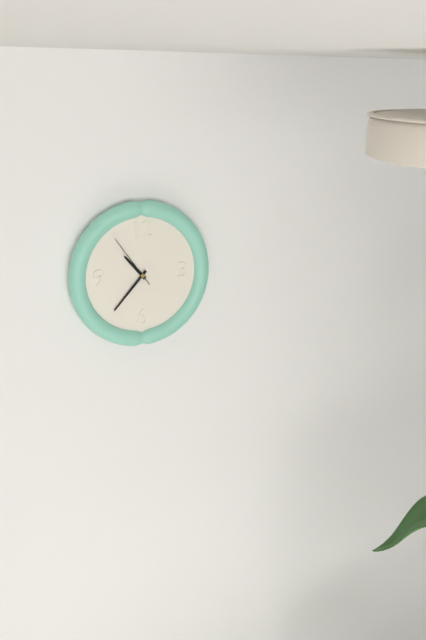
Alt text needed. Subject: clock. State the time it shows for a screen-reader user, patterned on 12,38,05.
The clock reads 10,37,54
